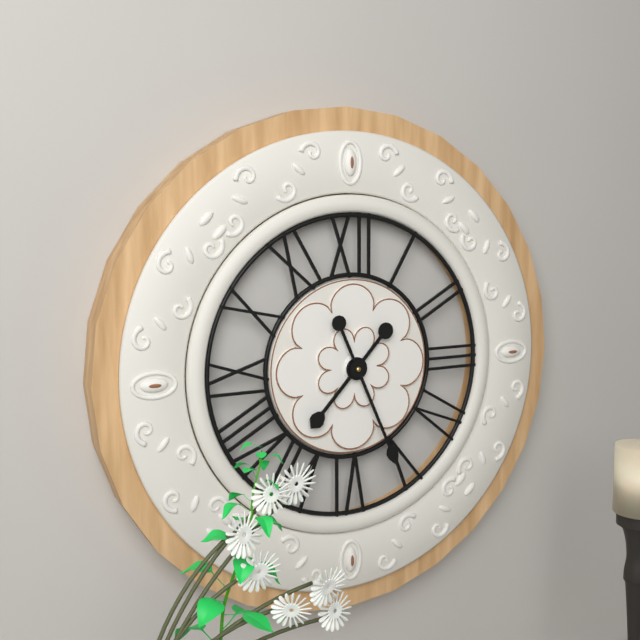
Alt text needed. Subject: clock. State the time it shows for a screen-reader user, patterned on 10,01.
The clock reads 7,26
